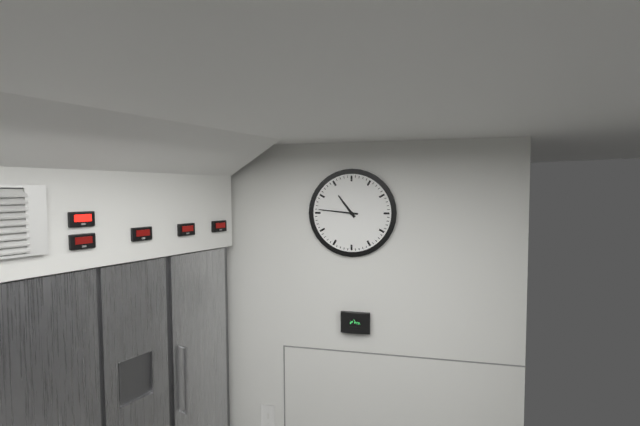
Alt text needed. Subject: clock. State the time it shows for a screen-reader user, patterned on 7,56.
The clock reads 10,46
